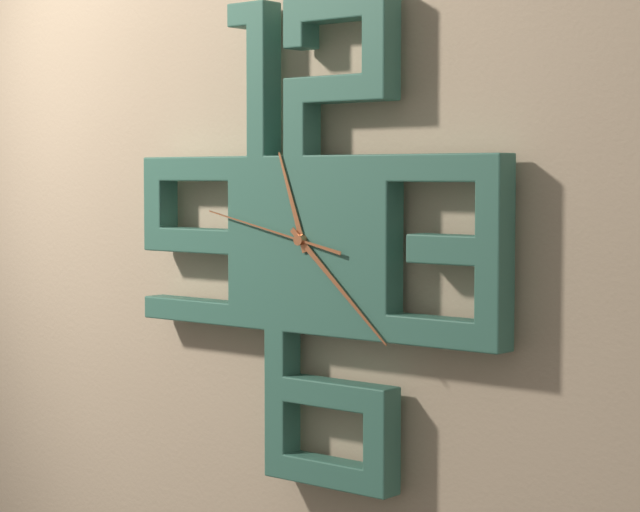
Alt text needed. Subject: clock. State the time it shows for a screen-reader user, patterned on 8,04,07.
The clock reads 11,22,47
